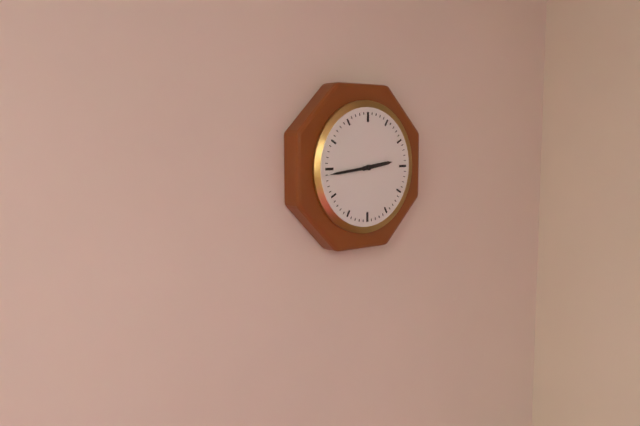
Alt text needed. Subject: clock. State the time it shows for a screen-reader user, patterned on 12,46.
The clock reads 2,44
